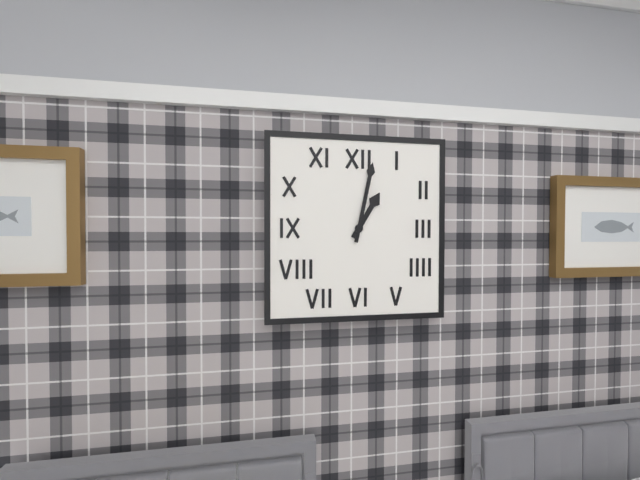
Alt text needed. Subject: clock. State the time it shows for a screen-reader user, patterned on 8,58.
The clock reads 1,02
